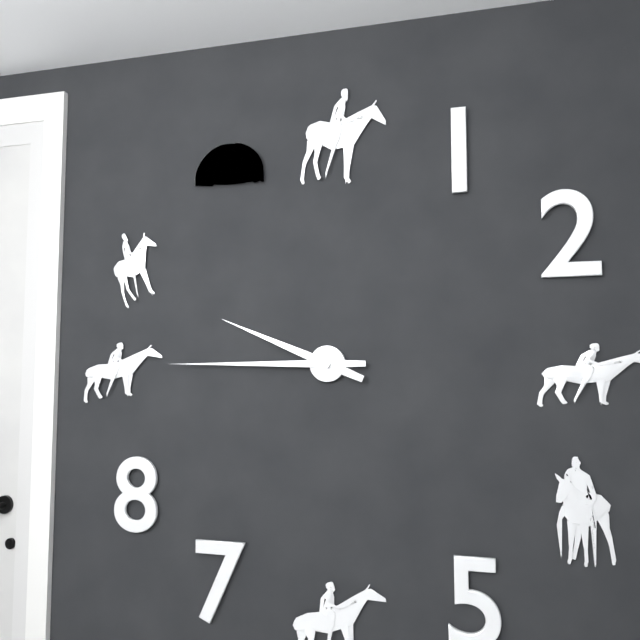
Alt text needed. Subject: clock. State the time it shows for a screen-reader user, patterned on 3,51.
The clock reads 9,45
